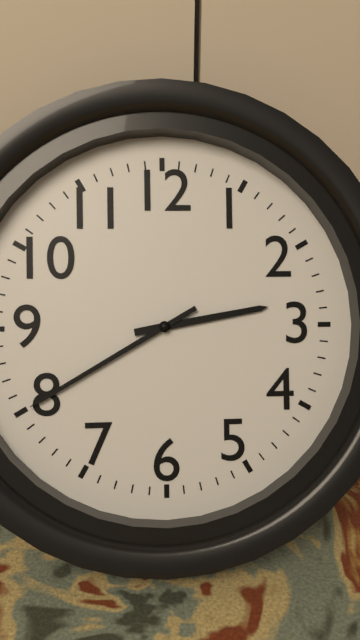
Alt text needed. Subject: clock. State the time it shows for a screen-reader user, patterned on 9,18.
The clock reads 2,40
